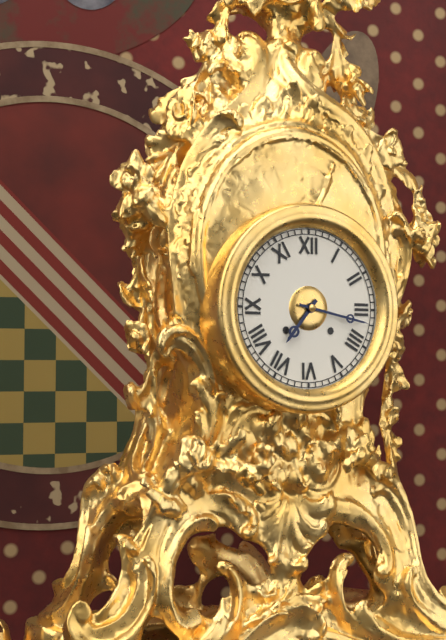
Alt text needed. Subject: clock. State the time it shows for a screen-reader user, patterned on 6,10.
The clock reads 7,17
